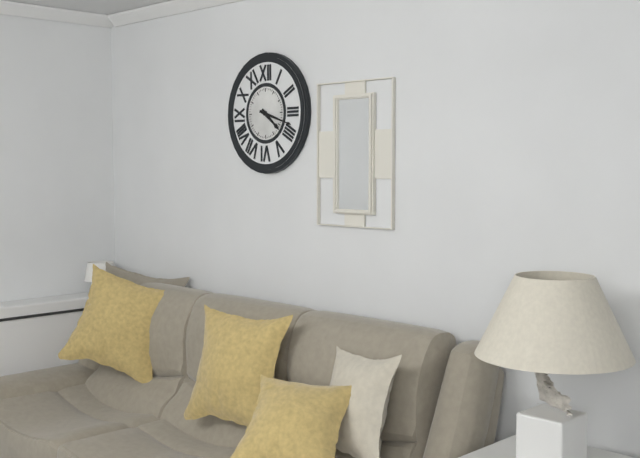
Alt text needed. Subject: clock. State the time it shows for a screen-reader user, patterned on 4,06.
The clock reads 4,18
